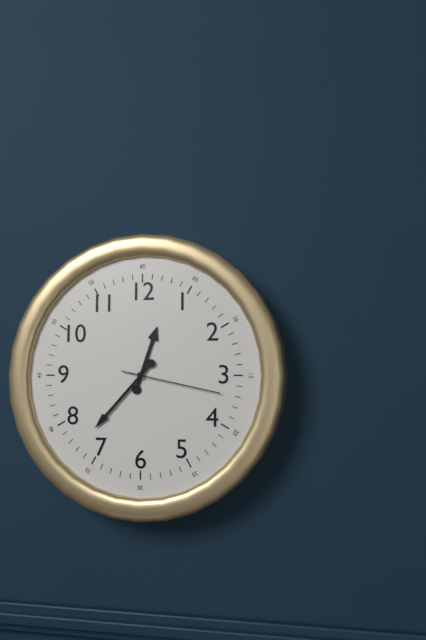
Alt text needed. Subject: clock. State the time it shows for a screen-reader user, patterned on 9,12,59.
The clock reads 12,37,17
